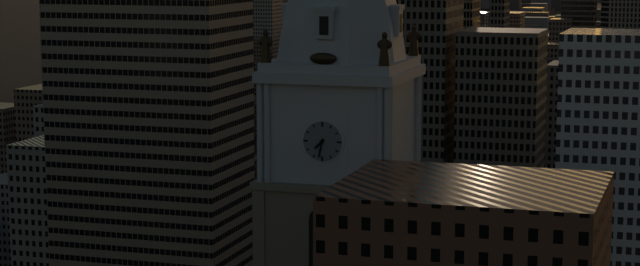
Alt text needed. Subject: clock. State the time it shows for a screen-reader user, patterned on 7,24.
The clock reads 7,32
